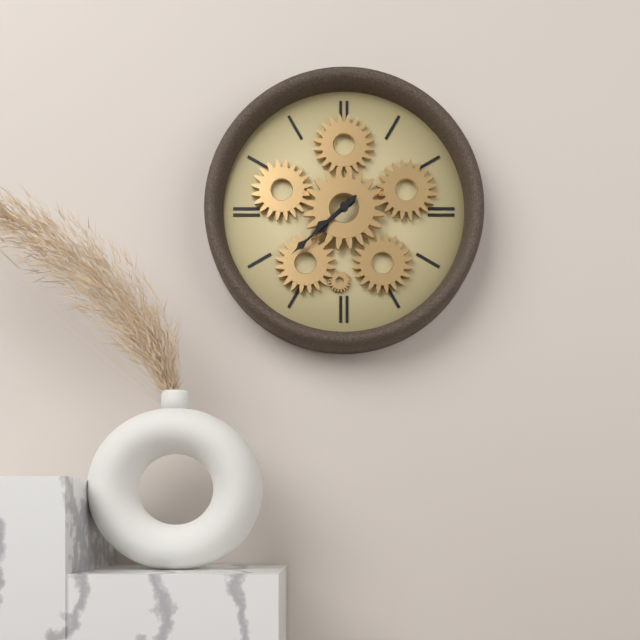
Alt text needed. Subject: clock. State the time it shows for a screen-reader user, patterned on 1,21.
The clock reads 7,38
